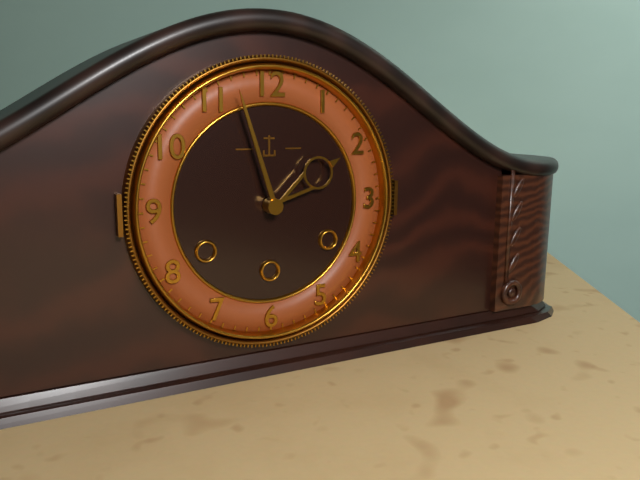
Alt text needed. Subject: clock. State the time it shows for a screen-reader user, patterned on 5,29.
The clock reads 1,57
